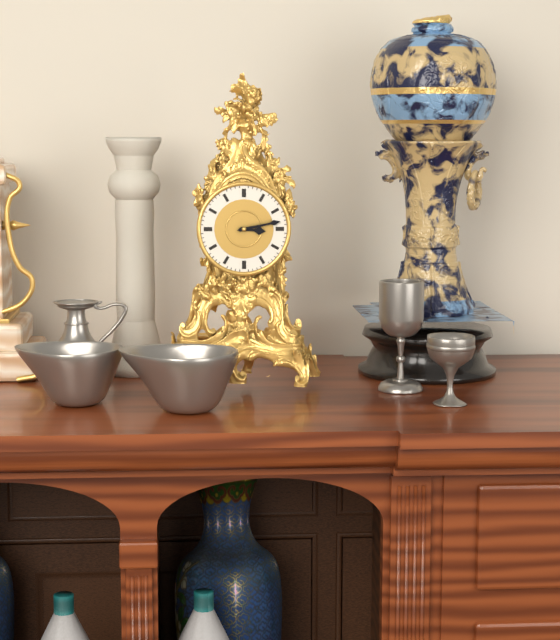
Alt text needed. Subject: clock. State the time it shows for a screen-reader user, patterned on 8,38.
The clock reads 3,13
